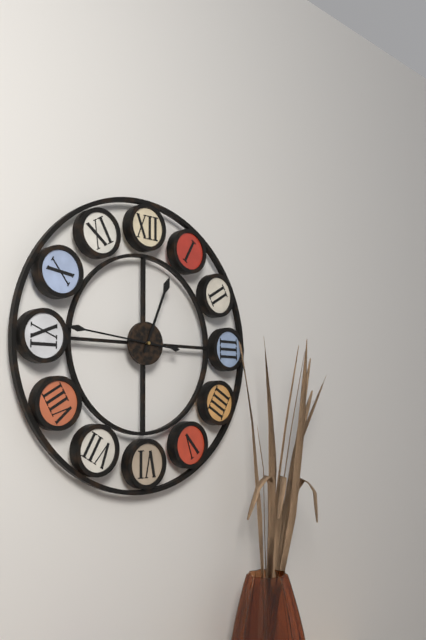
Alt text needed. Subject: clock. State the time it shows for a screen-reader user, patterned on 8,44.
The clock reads 12,46
